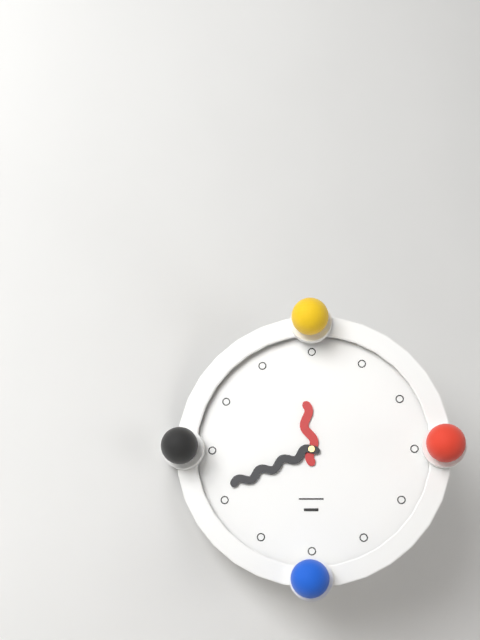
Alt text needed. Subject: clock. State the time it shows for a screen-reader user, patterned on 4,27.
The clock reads 11,41
